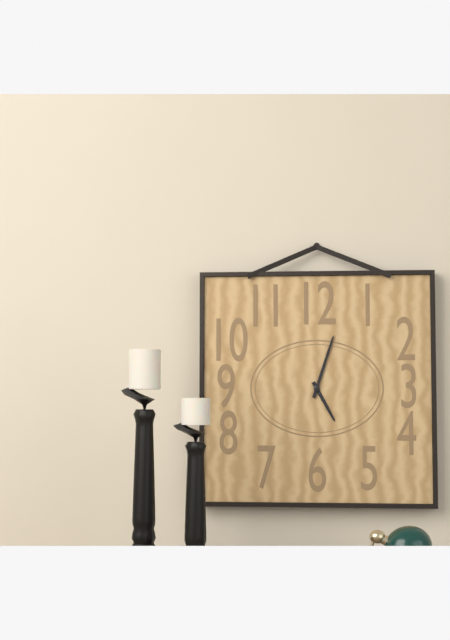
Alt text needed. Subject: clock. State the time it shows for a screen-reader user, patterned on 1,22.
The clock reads 5,03
